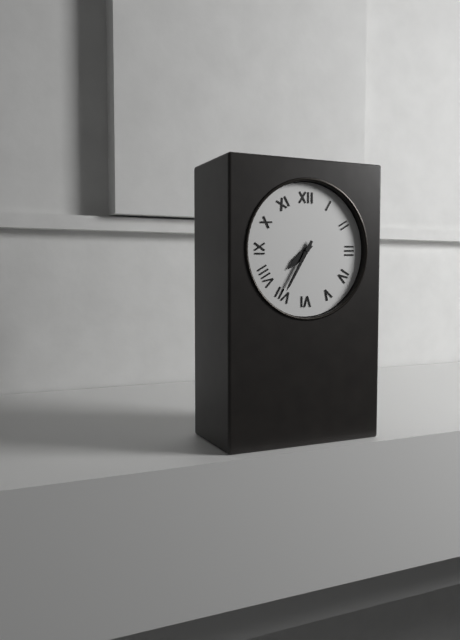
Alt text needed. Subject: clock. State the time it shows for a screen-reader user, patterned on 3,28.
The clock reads 7,35
